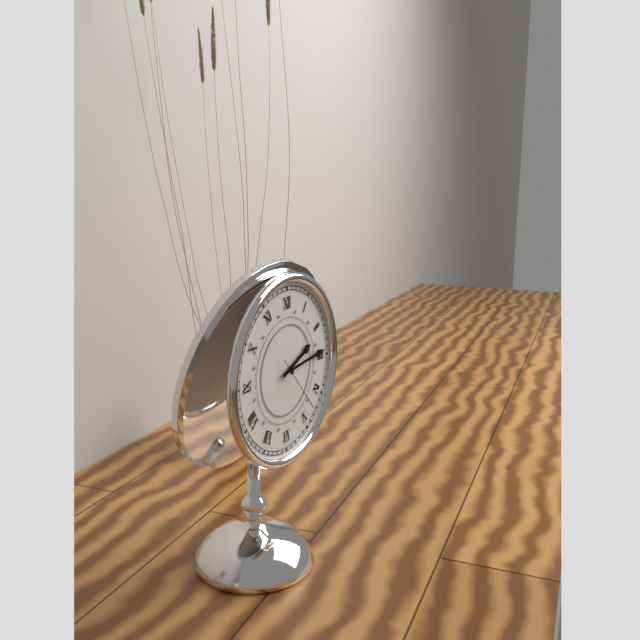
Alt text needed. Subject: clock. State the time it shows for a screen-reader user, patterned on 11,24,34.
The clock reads 2,14,23
